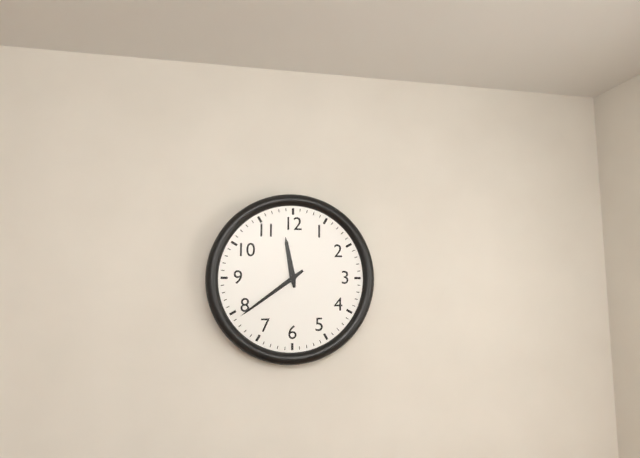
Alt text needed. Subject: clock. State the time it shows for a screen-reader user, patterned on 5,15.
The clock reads 11,39
